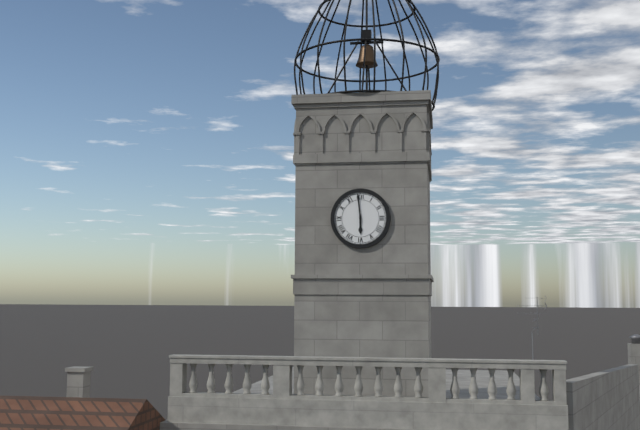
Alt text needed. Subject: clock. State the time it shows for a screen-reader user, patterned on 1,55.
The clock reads 5,59
